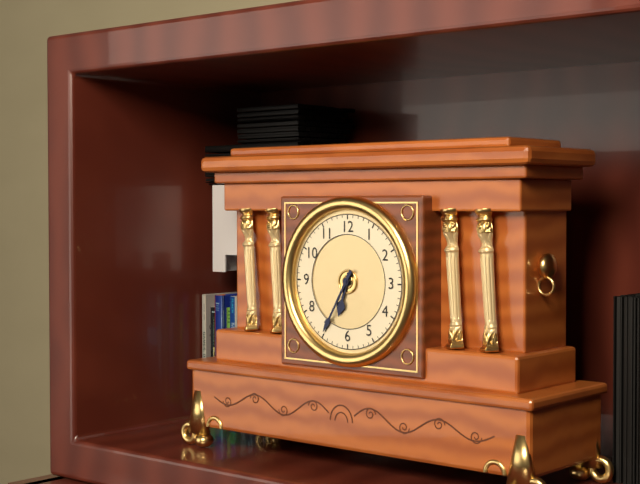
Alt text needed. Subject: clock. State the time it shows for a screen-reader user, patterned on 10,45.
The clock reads 6,35
